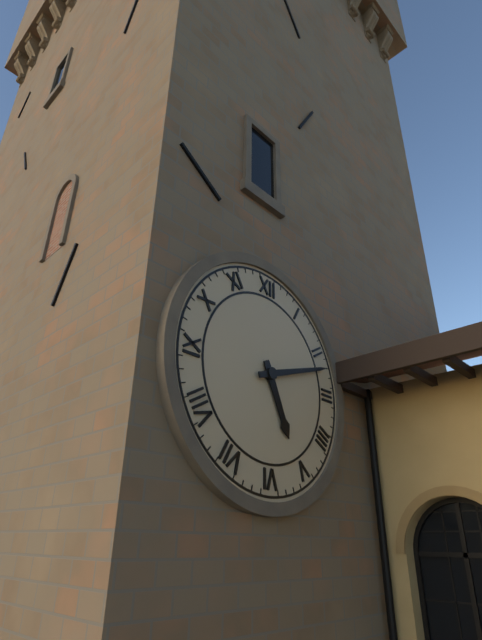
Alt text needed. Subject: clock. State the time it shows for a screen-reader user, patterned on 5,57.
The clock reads 5,12
